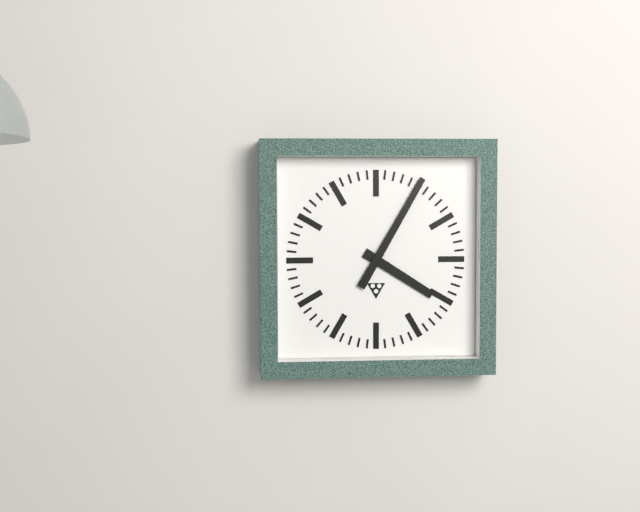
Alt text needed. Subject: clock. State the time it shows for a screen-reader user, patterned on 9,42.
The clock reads 4,05
